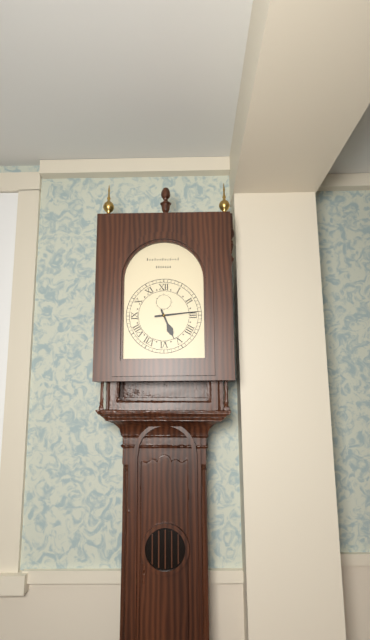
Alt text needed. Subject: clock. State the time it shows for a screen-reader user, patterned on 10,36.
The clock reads 5,14
